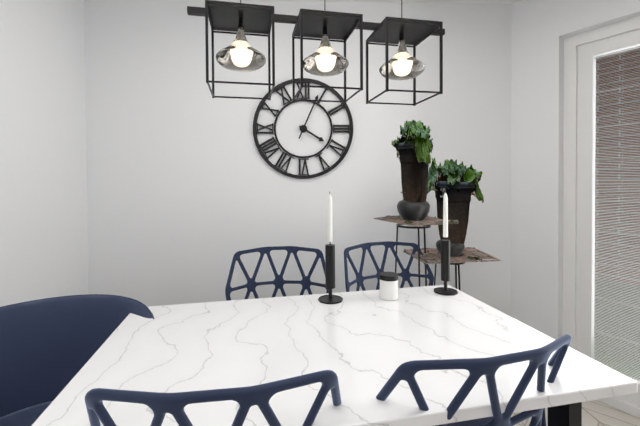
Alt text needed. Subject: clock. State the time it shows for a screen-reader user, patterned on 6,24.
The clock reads 4,04
